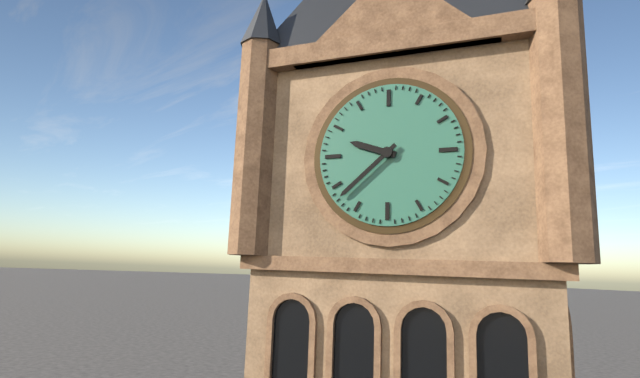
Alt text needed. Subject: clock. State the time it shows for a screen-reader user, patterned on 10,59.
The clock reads 9,38
